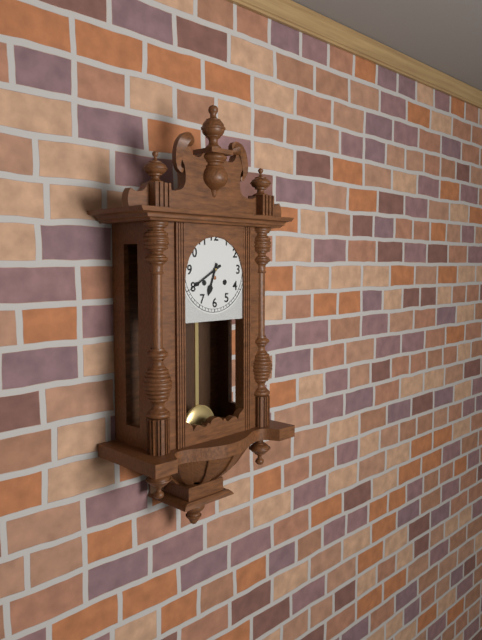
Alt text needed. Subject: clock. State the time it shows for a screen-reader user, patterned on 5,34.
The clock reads 6,40
